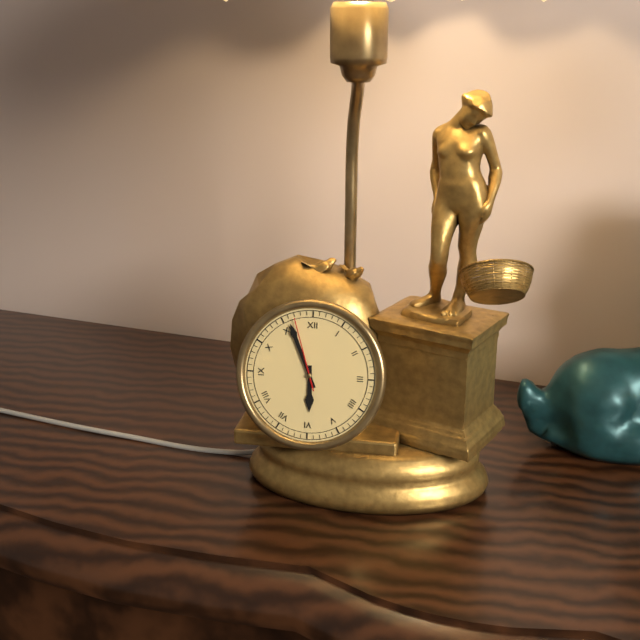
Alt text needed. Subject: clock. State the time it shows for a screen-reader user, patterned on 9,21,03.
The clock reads 5,56,57
